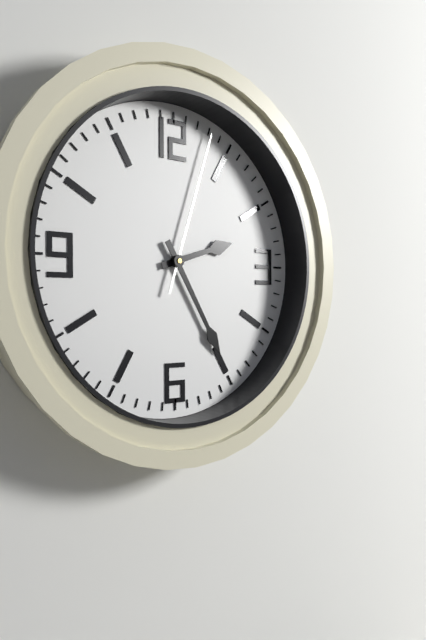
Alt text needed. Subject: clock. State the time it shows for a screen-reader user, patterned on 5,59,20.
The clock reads 2,25,03
